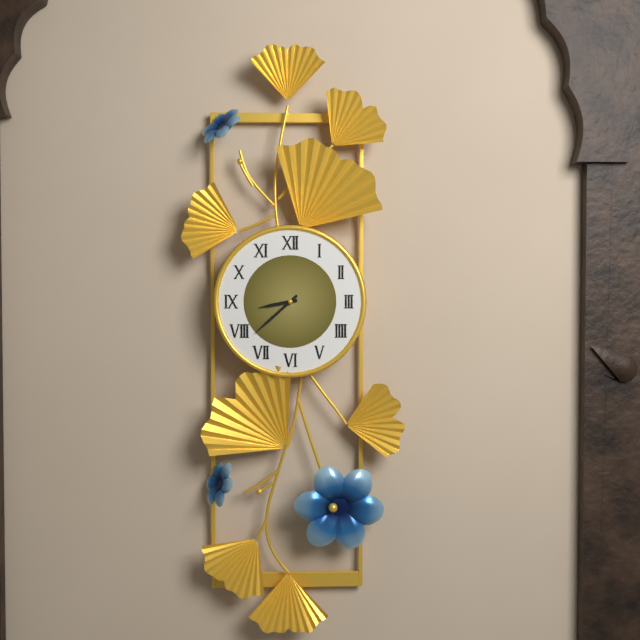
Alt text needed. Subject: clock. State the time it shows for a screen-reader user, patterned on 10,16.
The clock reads 8,38
